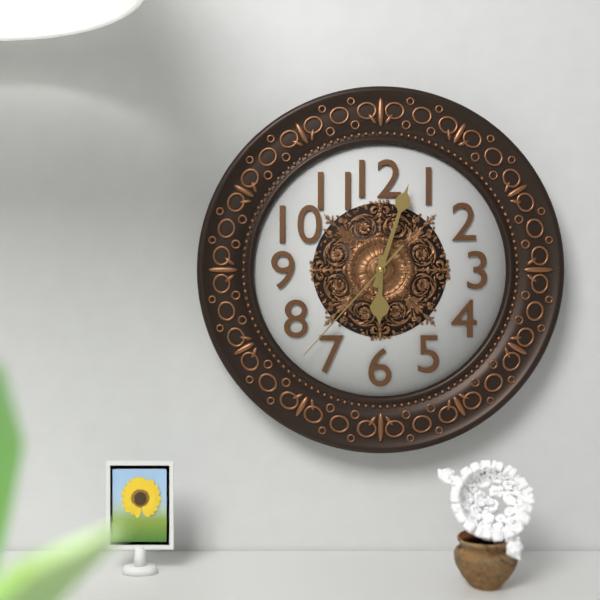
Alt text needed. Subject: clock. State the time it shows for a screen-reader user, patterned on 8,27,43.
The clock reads 6,03,37
